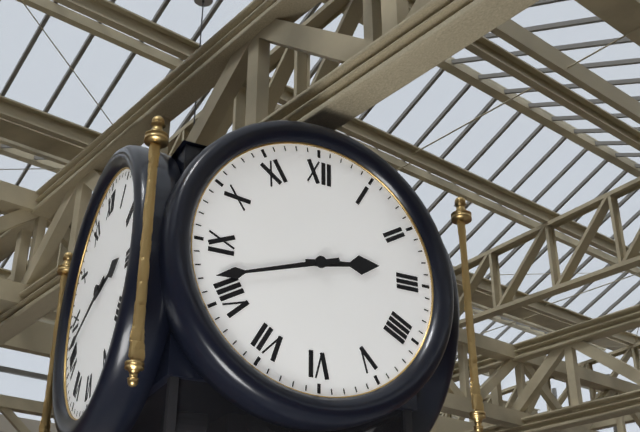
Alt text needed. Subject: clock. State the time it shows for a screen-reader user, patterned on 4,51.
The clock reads 2,42
